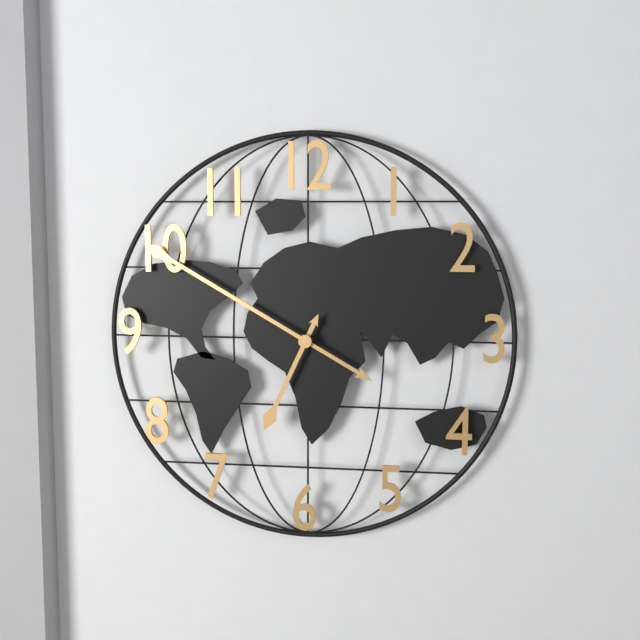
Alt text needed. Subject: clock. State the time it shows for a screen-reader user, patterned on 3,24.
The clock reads 6,50
